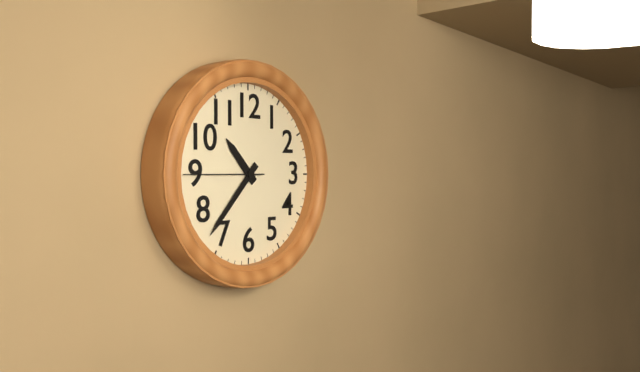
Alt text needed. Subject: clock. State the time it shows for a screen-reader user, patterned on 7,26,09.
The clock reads 10,37,45
